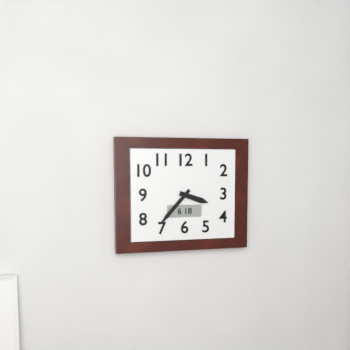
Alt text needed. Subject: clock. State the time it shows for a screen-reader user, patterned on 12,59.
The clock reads 3,37
